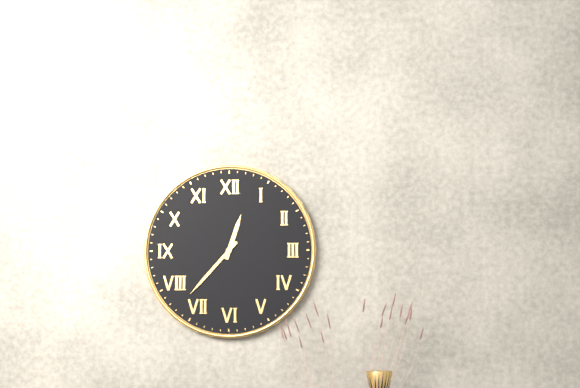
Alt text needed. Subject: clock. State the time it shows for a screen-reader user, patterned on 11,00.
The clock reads 12,37
